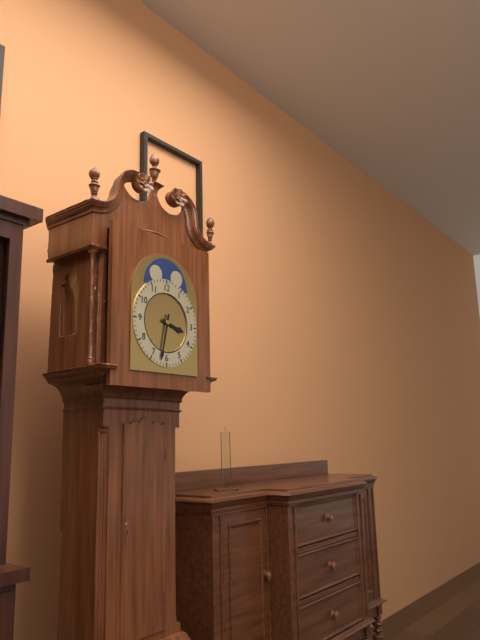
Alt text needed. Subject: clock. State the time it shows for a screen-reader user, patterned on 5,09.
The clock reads 3,32
